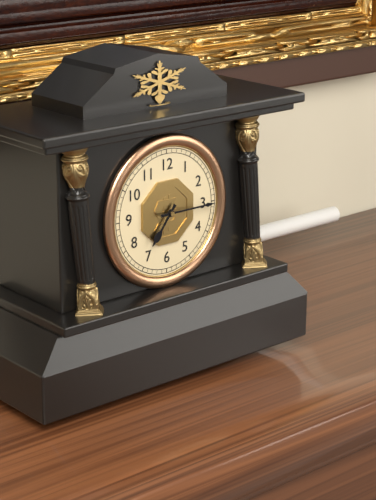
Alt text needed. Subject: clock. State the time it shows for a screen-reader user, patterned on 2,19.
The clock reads 7,15
